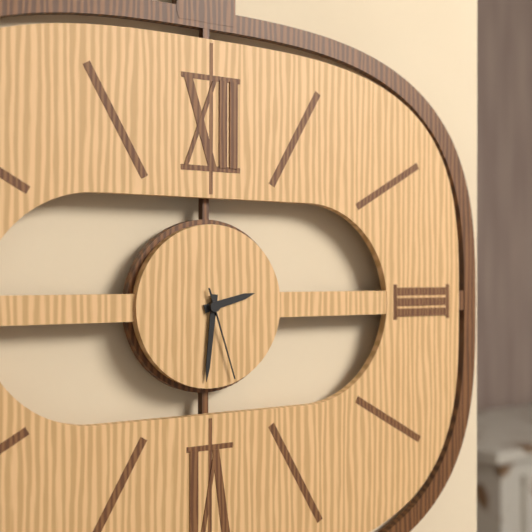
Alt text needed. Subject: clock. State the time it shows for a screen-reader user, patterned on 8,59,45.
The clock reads 2,31,27
